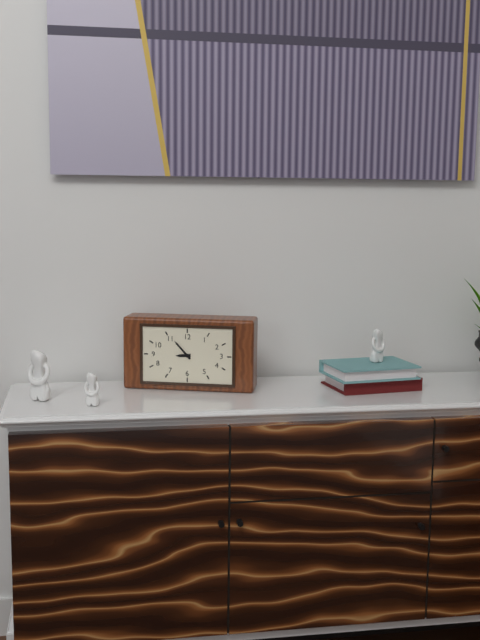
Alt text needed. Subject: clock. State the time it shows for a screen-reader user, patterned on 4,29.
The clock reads 8,53
